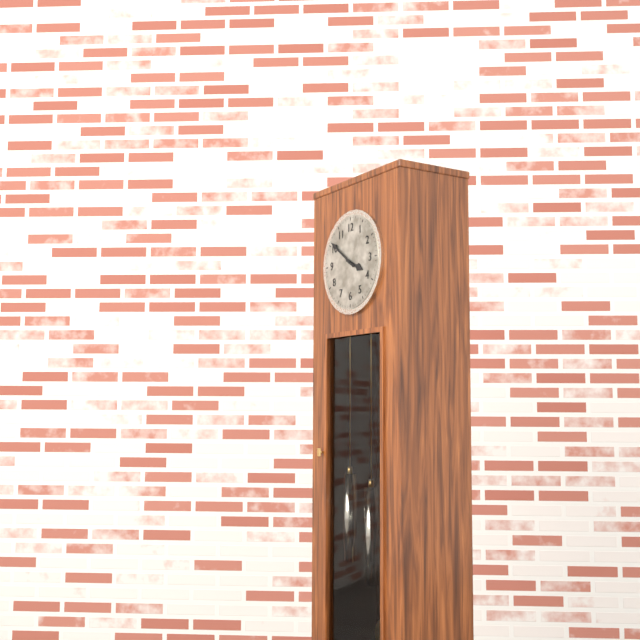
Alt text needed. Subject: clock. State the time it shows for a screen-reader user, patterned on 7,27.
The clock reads 3,51
